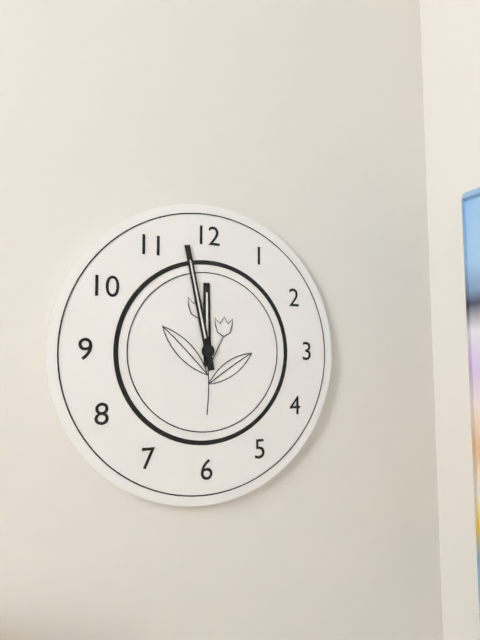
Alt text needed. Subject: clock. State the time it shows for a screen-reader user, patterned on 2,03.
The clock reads 11,58
